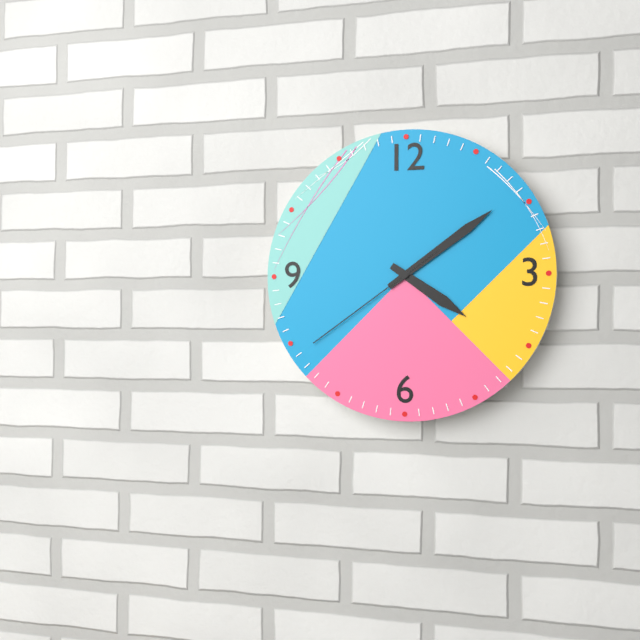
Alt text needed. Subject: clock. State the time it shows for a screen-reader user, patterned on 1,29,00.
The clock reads 4,09,39
